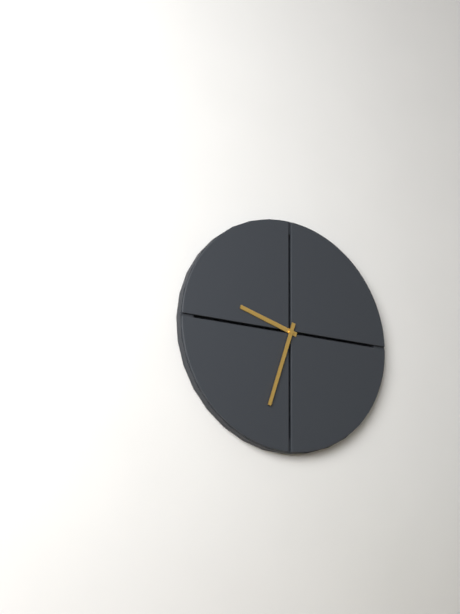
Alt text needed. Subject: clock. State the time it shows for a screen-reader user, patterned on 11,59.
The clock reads 9,33
